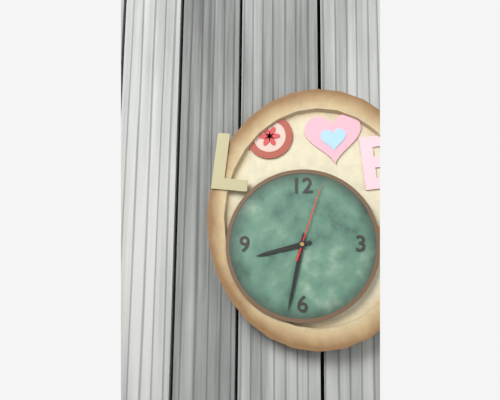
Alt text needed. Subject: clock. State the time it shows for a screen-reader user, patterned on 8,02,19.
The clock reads 8,32,03
